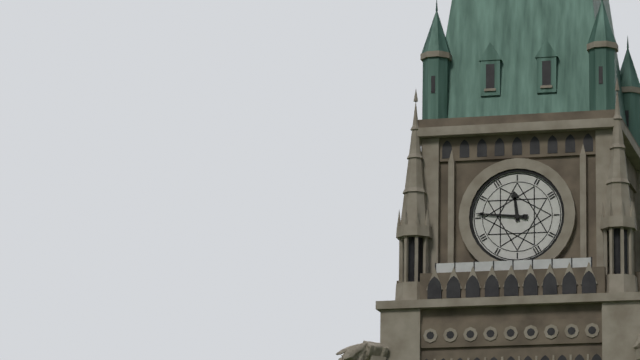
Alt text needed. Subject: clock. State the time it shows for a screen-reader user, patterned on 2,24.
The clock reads 11,46
